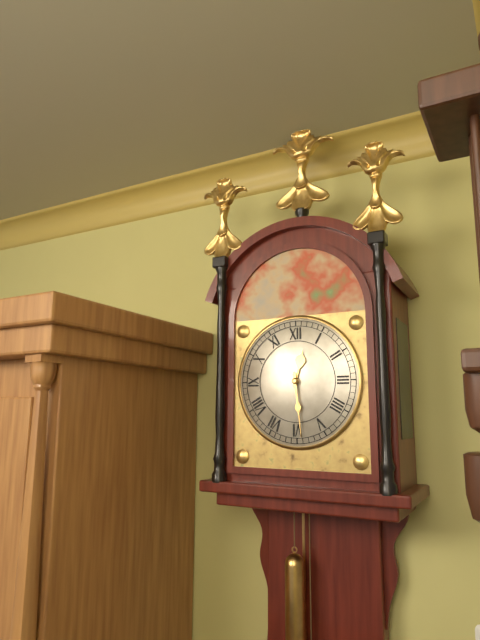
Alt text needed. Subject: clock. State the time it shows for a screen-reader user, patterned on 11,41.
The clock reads 12,29
